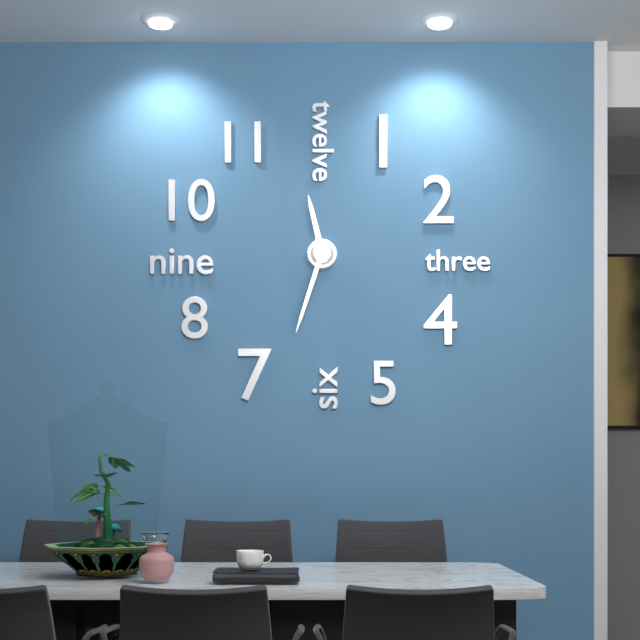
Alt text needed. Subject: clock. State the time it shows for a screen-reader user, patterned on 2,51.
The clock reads 11,33
